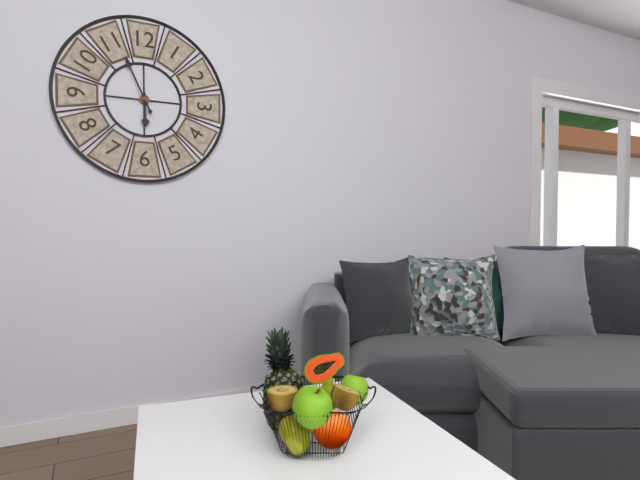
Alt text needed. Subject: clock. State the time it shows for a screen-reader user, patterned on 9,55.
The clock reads 5,56
